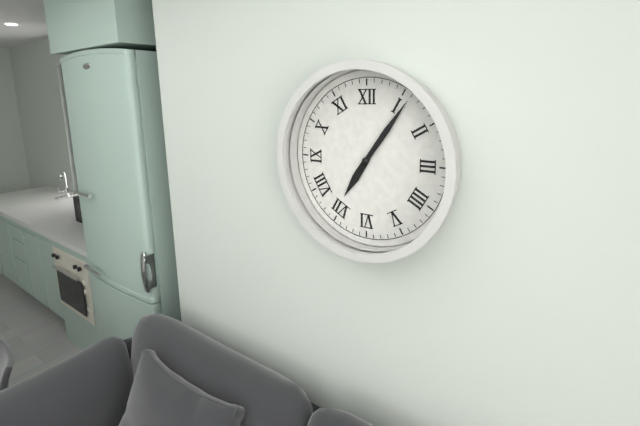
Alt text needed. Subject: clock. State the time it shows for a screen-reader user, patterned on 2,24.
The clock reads 7,06
